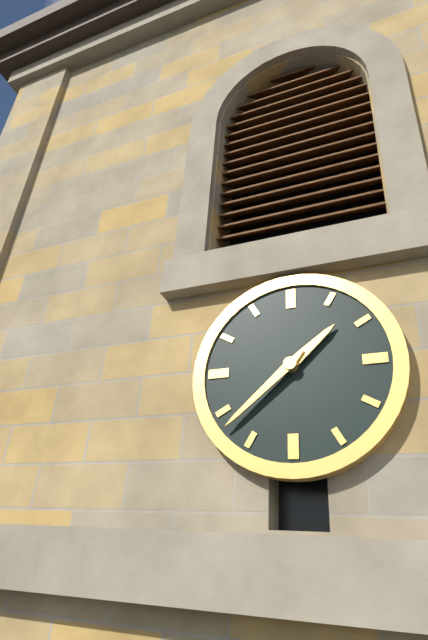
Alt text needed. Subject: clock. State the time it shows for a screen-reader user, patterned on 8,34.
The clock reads 1,38
